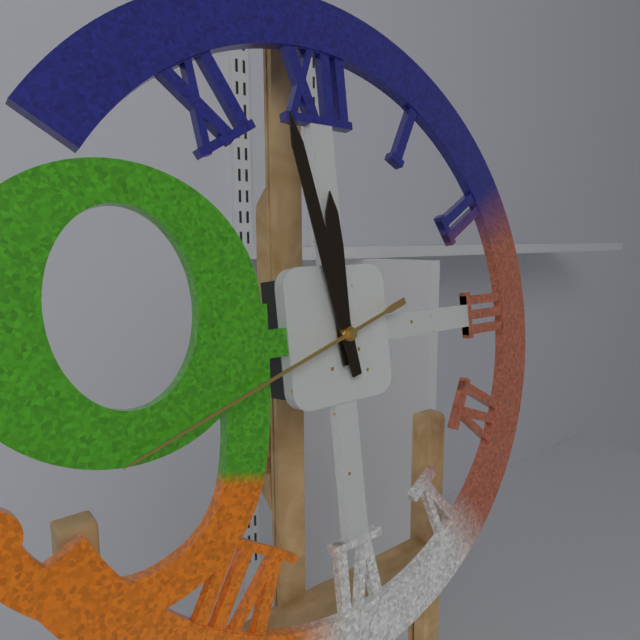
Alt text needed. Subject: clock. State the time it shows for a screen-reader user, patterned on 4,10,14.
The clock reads 11,58,42
